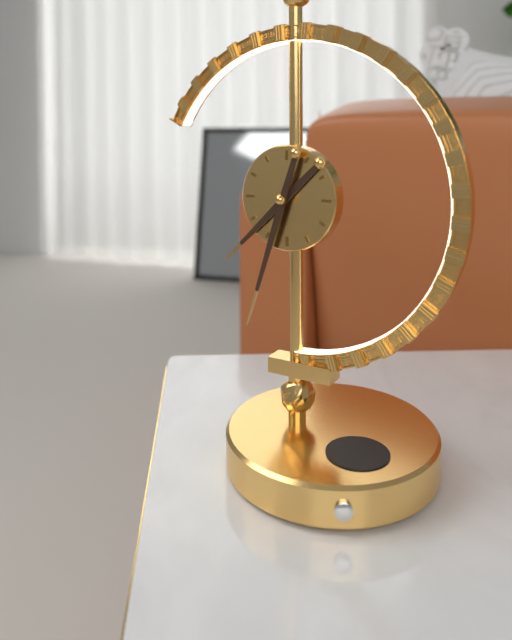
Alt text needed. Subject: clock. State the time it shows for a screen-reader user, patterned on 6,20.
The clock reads 7,33
